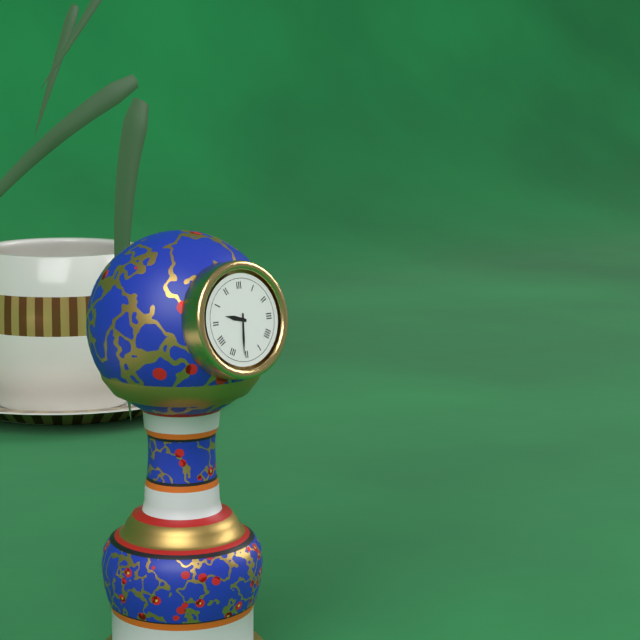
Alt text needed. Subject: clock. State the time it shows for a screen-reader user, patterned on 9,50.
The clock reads 9,31
